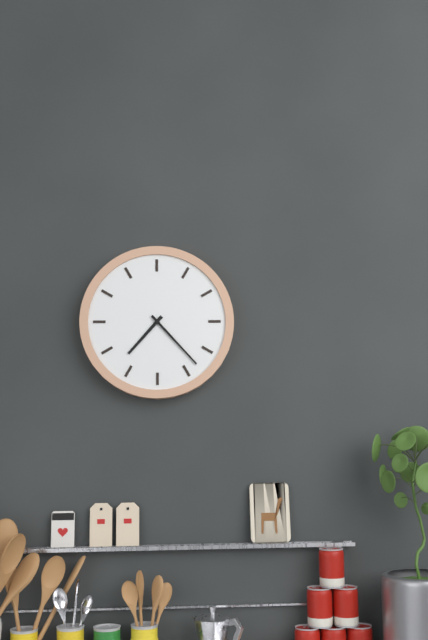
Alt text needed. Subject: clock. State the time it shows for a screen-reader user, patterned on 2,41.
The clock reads 7,23
